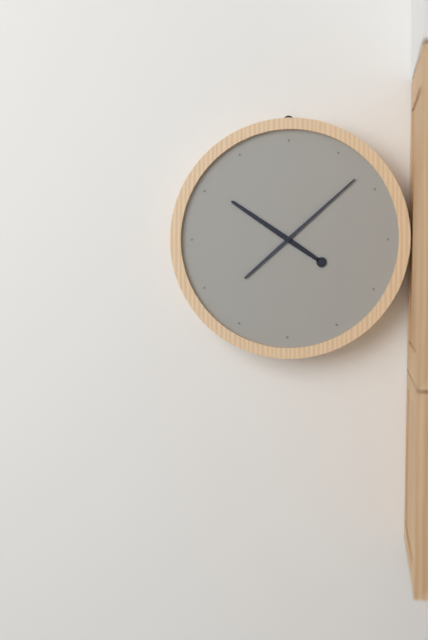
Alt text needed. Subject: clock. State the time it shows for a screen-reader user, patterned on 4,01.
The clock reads 10,08
